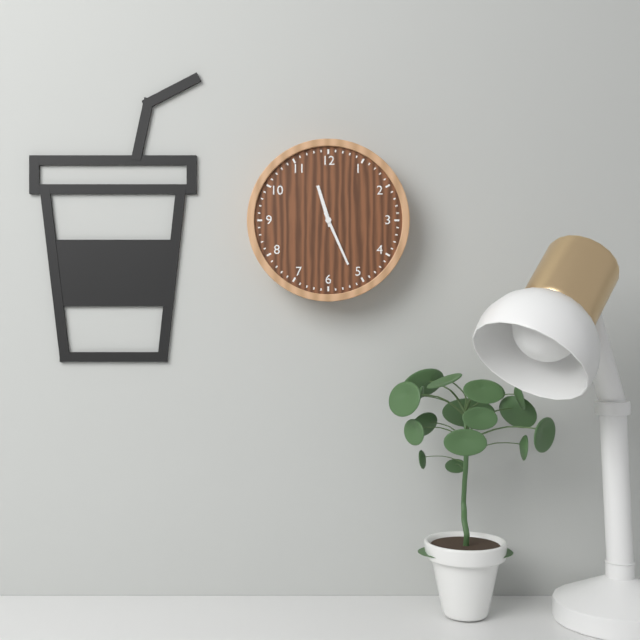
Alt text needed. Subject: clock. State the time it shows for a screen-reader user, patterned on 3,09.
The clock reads 11,26
